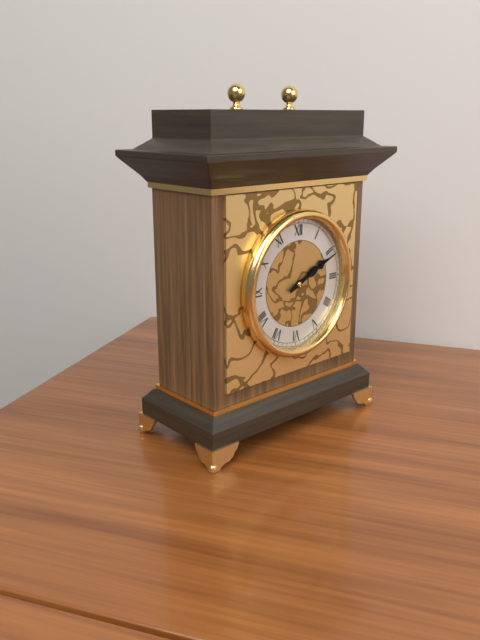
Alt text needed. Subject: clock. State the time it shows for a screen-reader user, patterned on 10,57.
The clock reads 2,11
